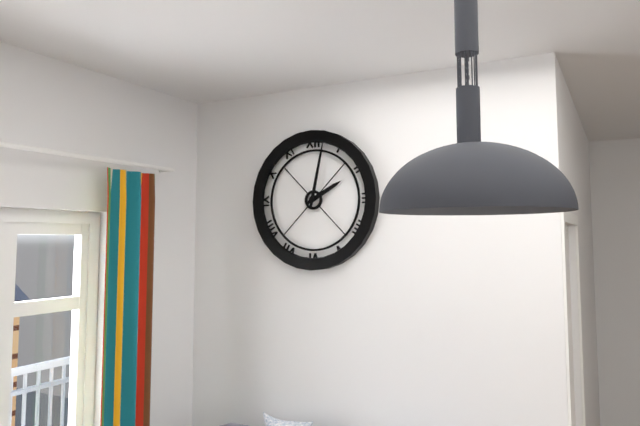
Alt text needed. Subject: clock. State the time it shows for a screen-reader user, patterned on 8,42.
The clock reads 2,02
